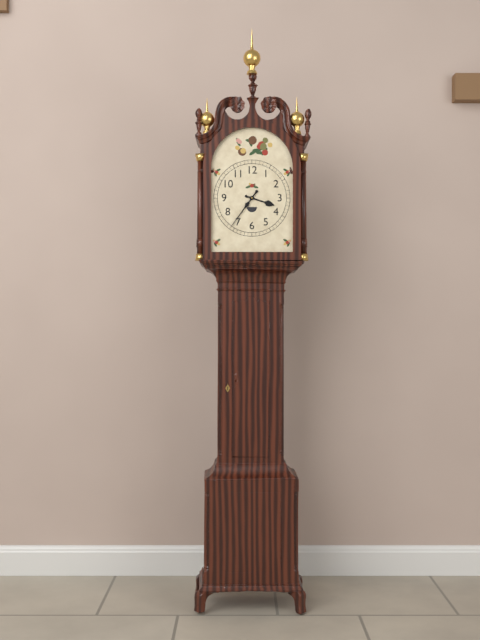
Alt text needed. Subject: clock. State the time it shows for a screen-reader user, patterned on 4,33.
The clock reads 3,36
